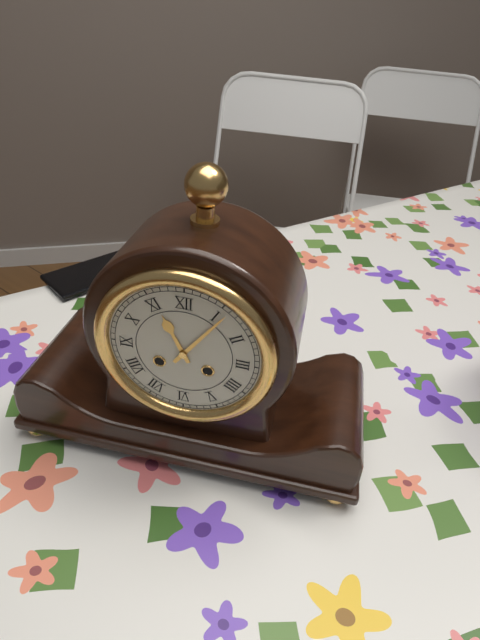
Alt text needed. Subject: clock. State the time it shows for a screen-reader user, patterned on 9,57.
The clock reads 11,06
